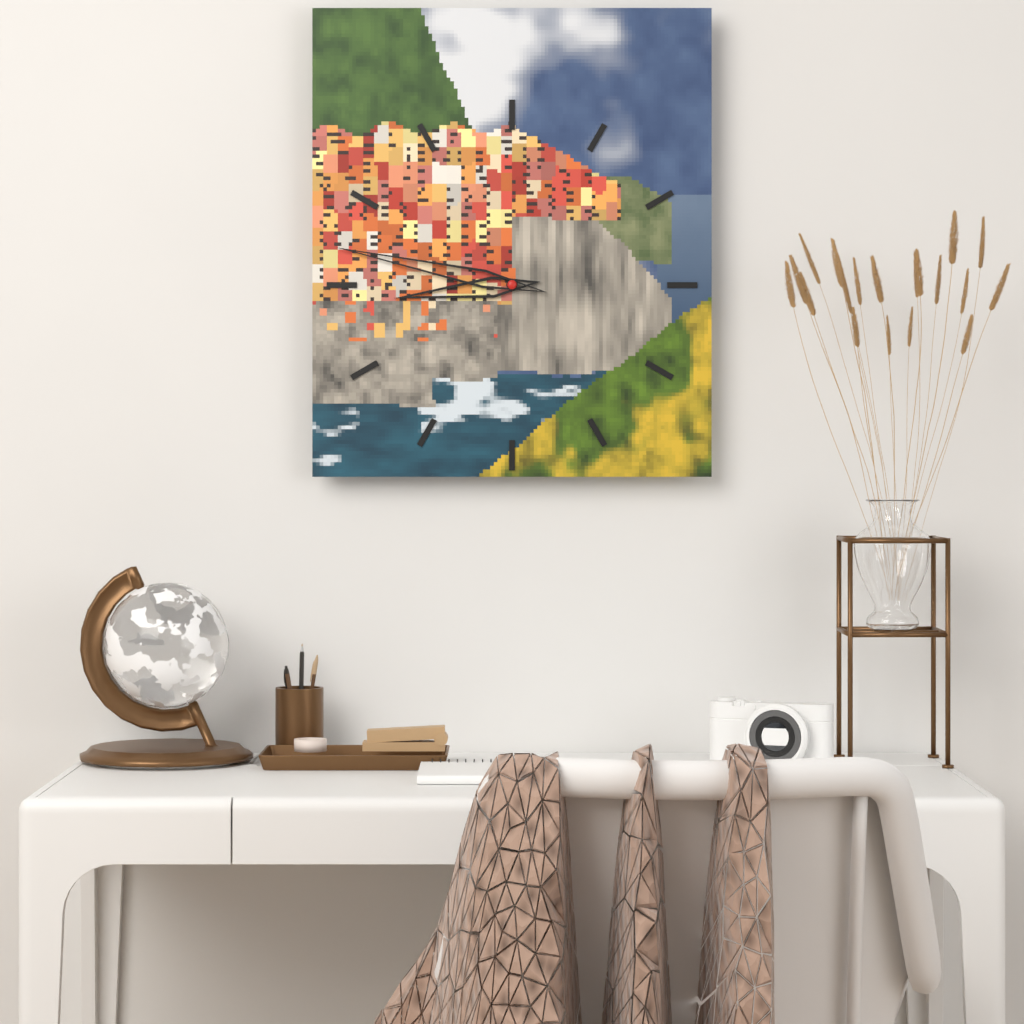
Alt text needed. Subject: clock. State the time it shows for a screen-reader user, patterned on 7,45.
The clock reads 8,47
